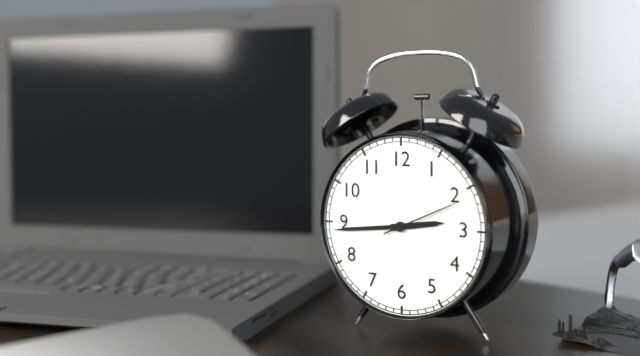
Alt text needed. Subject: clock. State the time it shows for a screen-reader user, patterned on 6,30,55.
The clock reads 2,44,11
